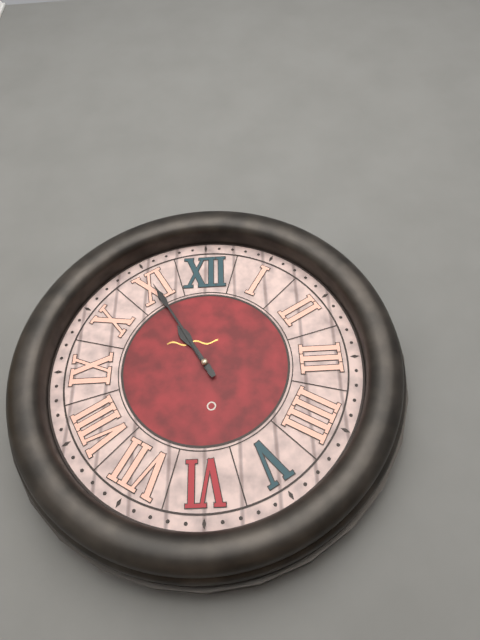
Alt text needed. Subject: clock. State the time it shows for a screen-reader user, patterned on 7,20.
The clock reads 10,55
